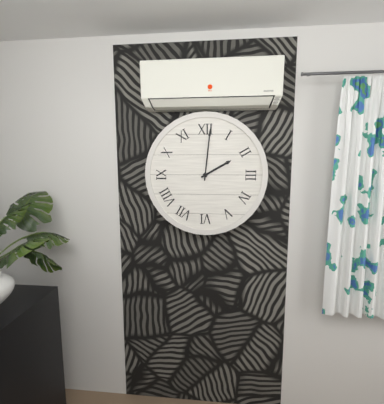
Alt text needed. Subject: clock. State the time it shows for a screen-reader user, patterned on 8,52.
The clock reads 2,01
